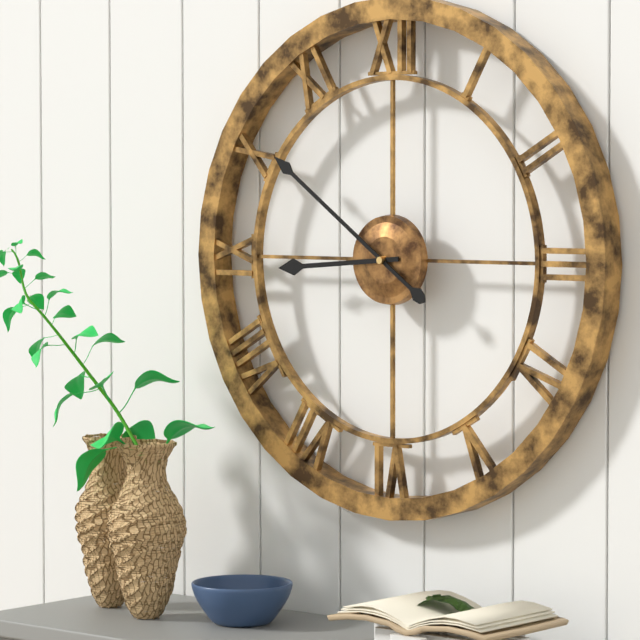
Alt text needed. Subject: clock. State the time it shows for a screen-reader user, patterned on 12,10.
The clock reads 8,51
